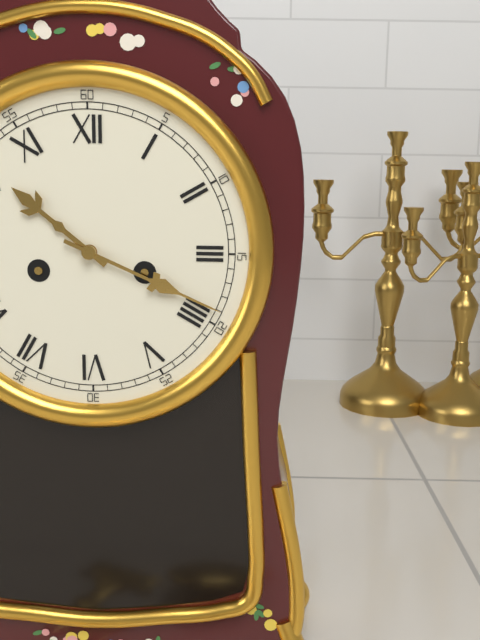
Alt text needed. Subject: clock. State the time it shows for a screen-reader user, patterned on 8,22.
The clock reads 10,19
